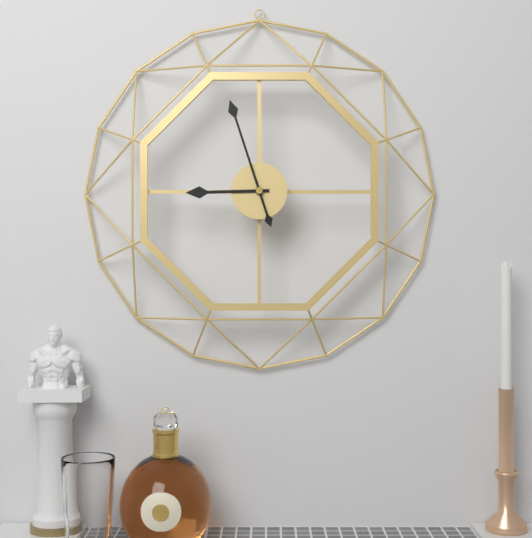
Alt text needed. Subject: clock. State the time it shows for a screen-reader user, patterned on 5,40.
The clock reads 8,57
